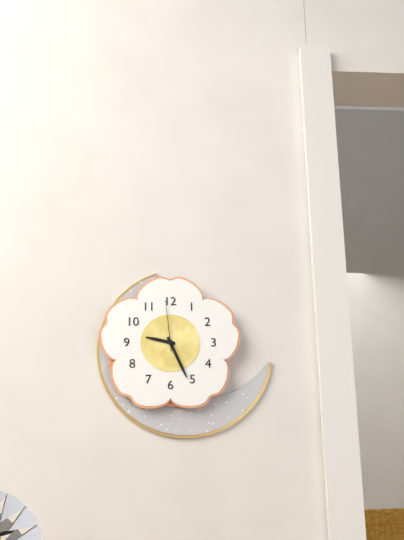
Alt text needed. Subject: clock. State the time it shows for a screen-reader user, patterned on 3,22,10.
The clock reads 9,26,59
